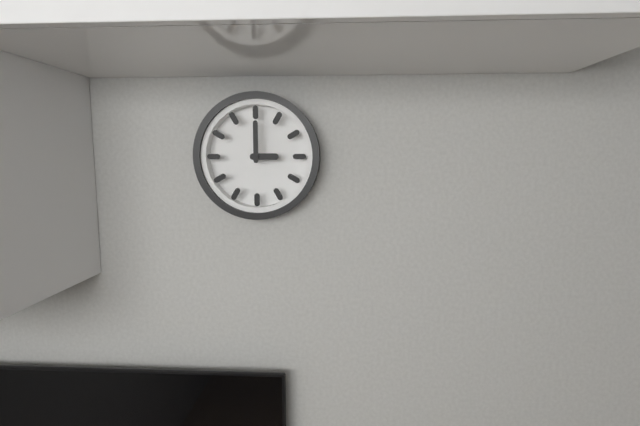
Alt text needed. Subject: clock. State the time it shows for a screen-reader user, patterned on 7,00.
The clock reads 3,00
